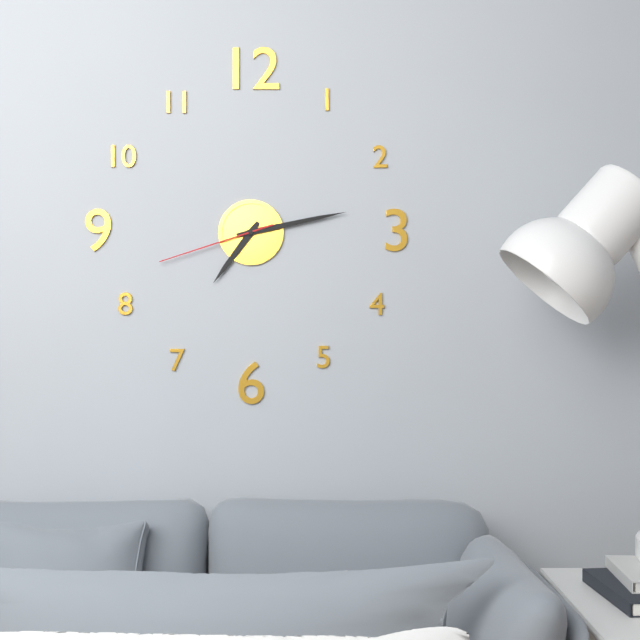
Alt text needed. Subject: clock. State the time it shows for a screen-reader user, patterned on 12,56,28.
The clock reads 7,13,42
